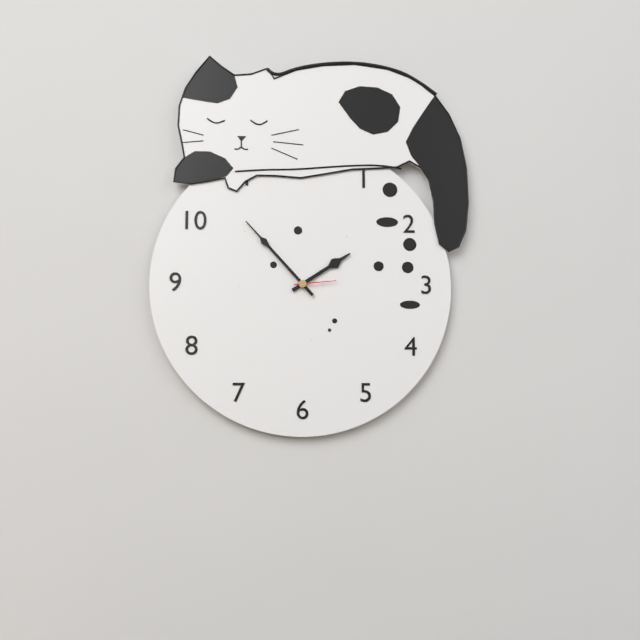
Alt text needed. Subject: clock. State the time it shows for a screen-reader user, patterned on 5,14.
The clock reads 1,53
